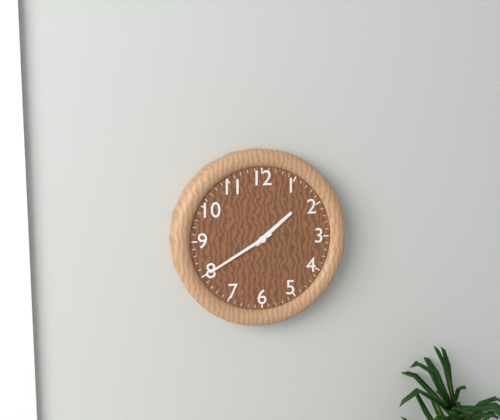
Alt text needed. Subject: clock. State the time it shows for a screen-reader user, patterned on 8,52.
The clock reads 1,40
